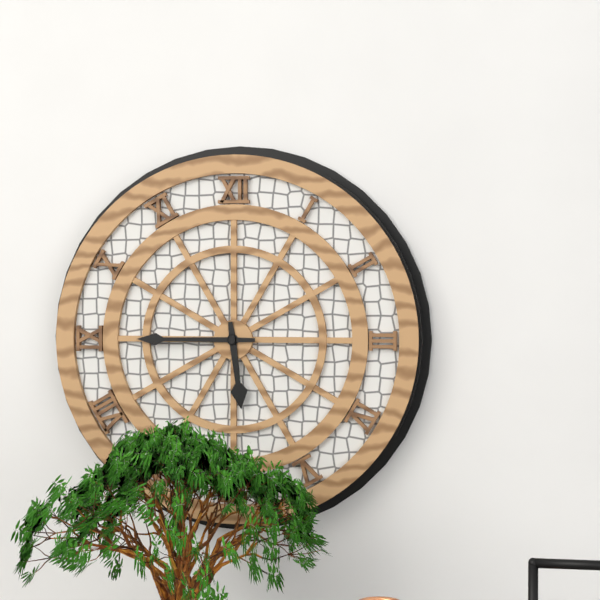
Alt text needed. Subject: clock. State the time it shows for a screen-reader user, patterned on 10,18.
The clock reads 5,45
